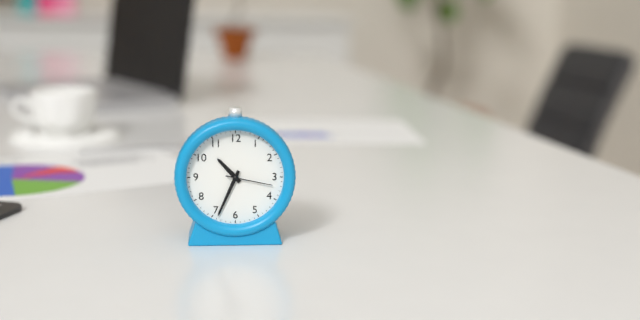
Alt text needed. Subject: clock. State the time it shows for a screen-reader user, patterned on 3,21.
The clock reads 10,34
